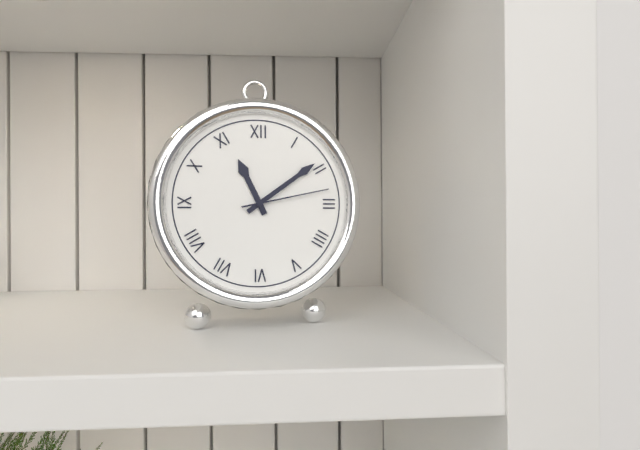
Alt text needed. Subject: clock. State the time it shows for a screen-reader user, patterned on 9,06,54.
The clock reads 11,09,13
